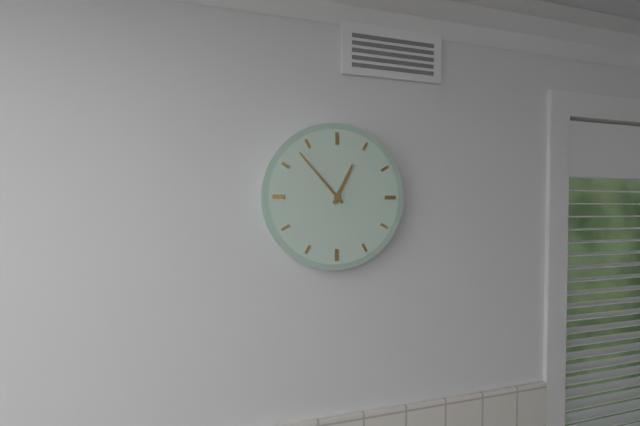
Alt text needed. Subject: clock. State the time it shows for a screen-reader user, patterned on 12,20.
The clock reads 12,53
